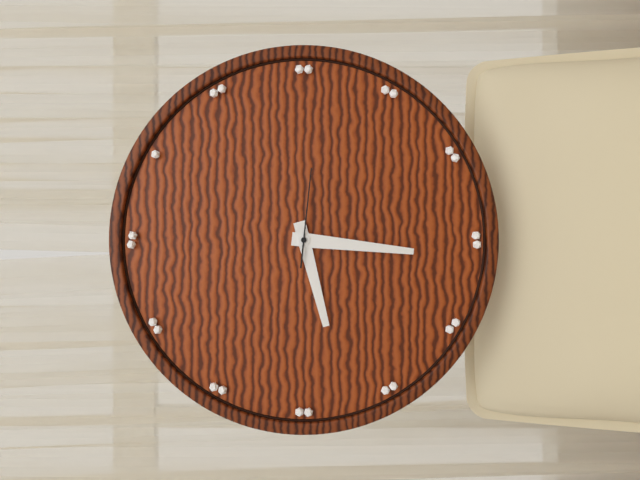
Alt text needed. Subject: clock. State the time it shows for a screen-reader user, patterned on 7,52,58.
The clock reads 8,31,16
